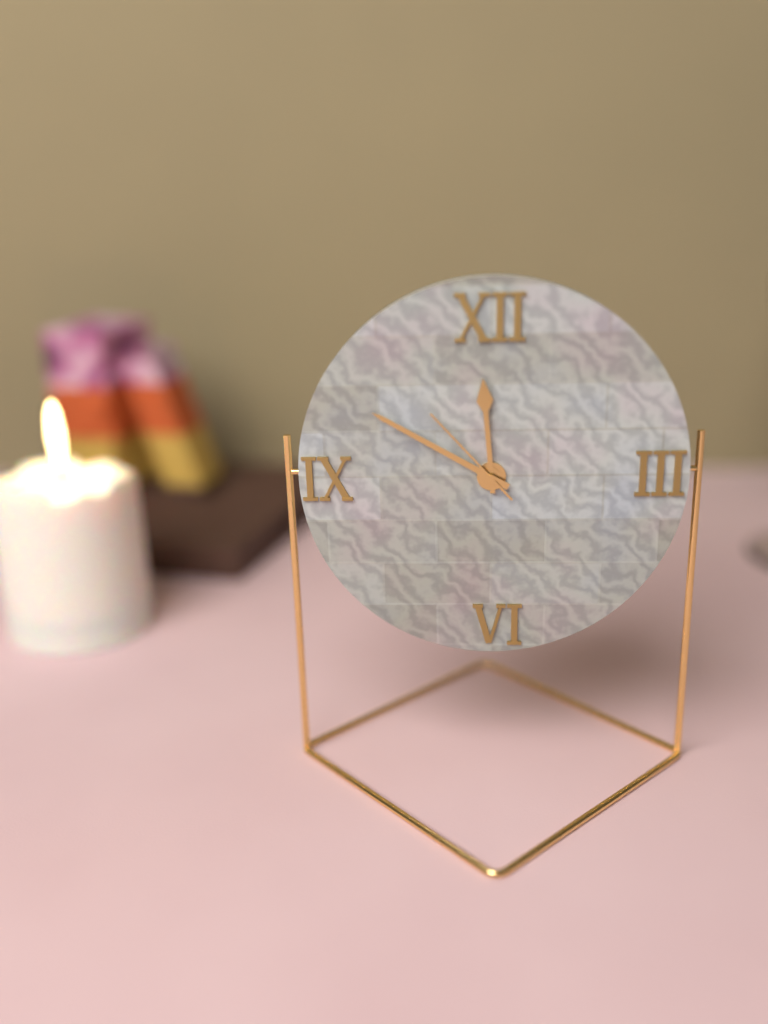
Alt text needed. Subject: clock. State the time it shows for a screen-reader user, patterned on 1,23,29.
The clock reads 11,50,53
